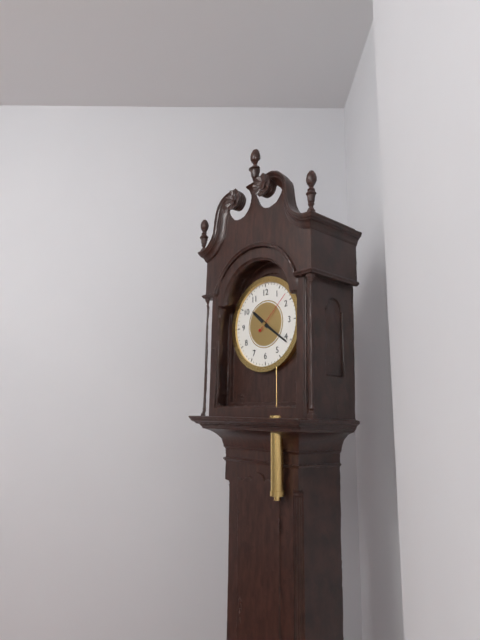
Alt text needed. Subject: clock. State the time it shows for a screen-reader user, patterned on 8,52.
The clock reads 10,21
